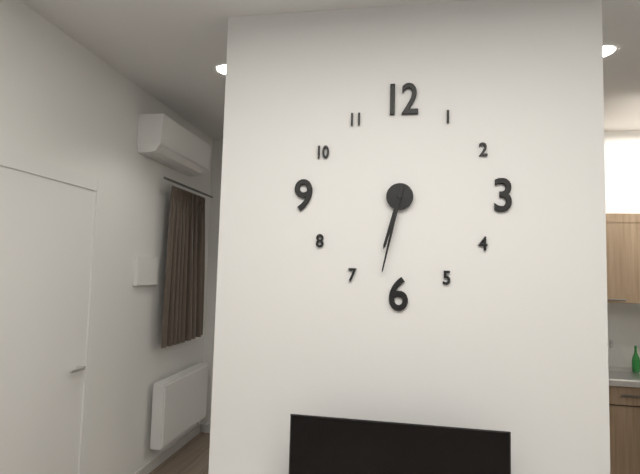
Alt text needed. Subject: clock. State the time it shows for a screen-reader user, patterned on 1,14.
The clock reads 6,32
